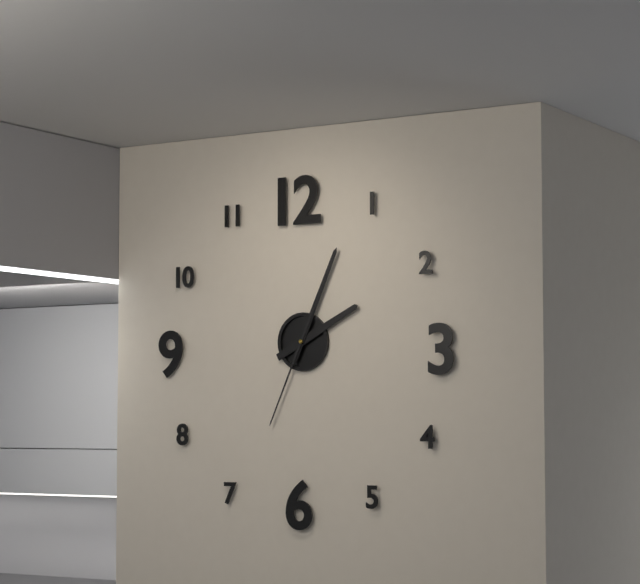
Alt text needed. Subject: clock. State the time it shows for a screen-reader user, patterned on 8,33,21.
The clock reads 2,04,34
